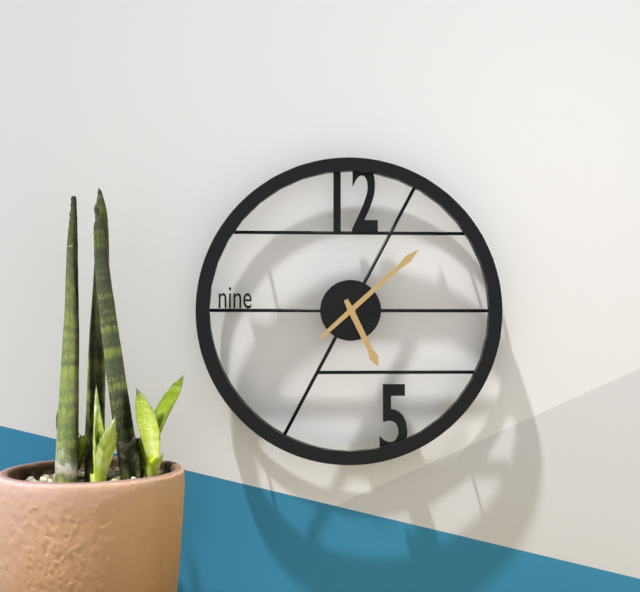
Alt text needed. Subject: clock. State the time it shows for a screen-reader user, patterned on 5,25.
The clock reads 5,08
